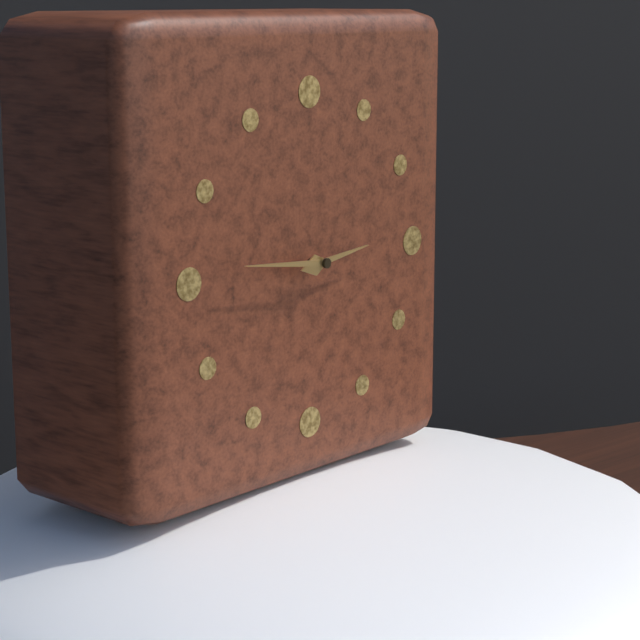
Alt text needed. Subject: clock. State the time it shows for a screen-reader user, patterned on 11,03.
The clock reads 2,46
